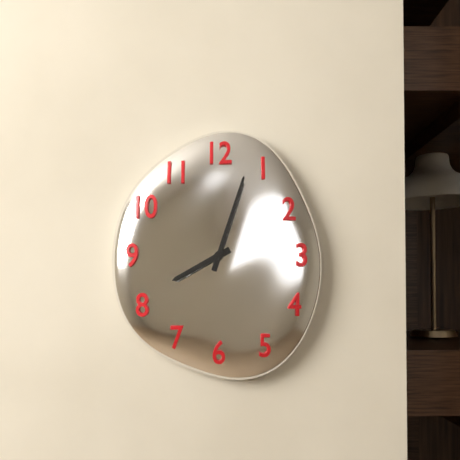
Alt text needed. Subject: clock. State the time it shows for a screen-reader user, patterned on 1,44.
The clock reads 8,03
